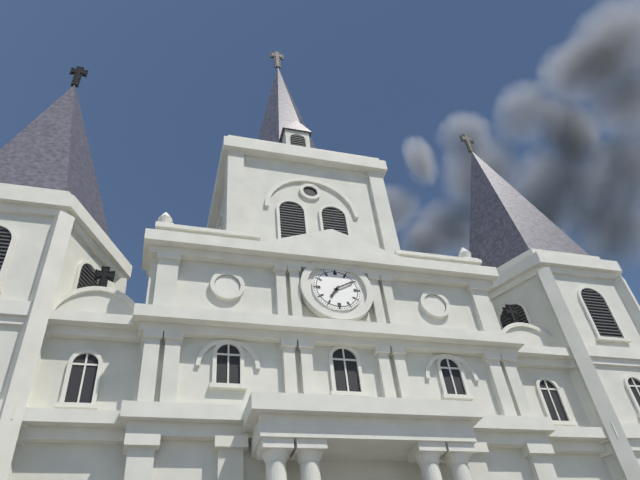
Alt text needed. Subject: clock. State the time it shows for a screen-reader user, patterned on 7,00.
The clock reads 7,10
